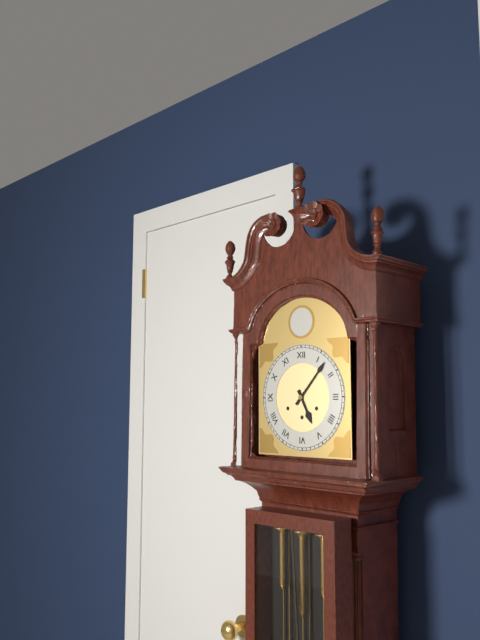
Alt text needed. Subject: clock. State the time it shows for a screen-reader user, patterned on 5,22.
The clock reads 5,07
